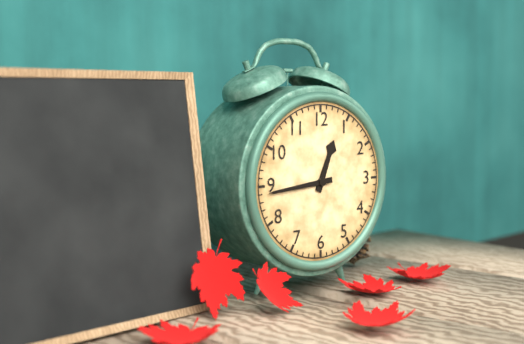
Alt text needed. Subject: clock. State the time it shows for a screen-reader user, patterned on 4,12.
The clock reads 12,44
